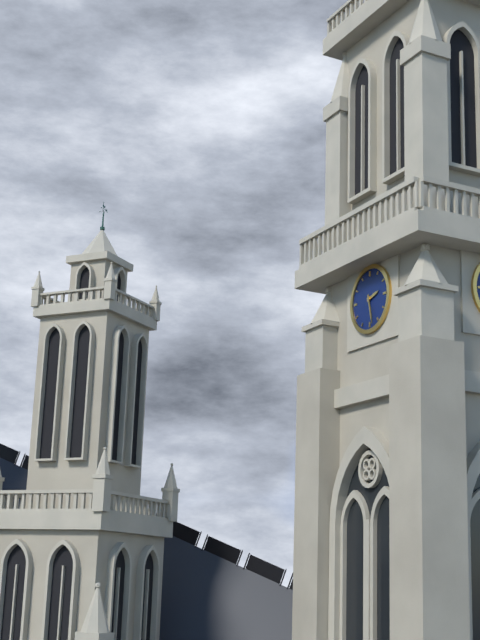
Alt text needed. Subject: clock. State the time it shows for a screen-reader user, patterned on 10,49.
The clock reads 2,28
